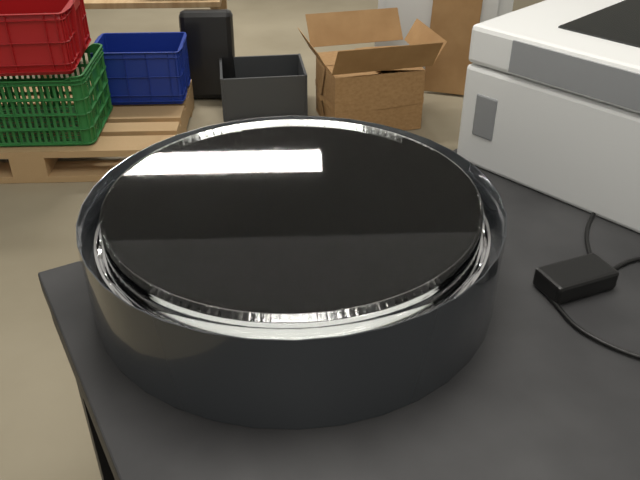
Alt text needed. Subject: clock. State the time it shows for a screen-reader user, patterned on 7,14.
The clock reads 4,52
